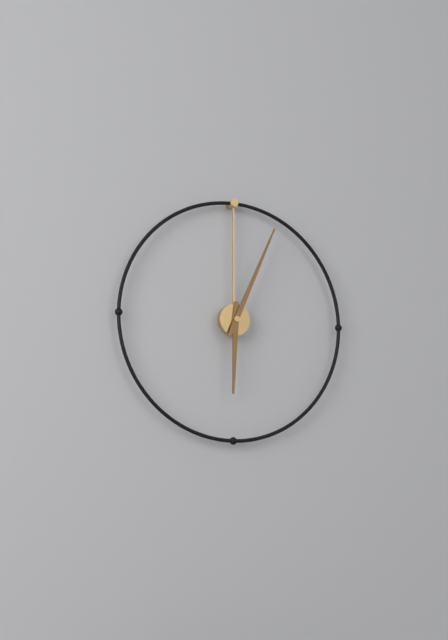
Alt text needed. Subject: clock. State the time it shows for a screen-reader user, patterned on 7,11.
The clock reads 6,04
